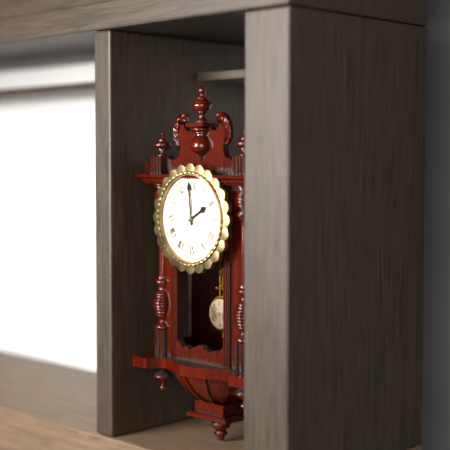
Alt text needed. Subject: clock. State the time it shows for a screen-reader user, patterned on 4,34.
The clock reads 1,59
